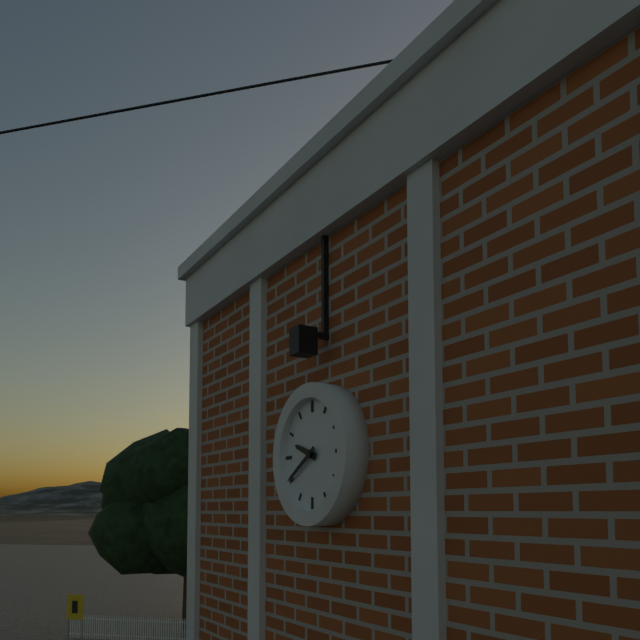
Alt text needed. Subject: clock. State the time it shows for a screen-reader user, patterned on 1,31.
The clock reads 9,40
